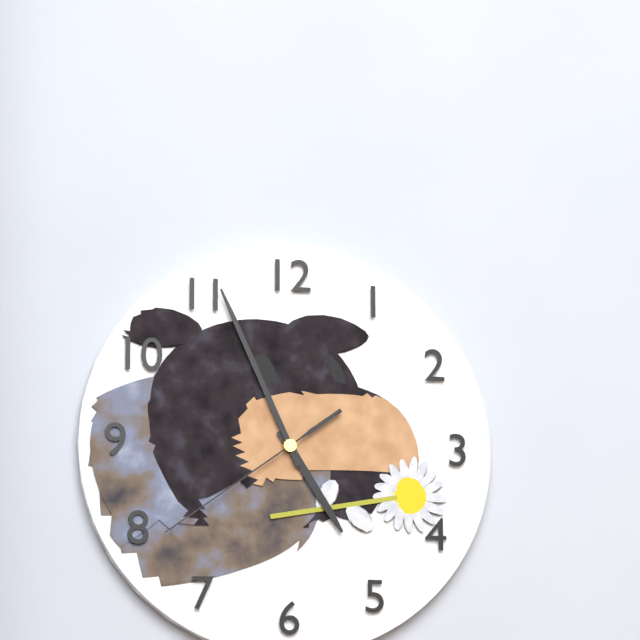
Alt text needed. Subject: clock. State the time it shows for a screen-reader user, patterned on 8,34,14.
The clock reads 4,56,39
